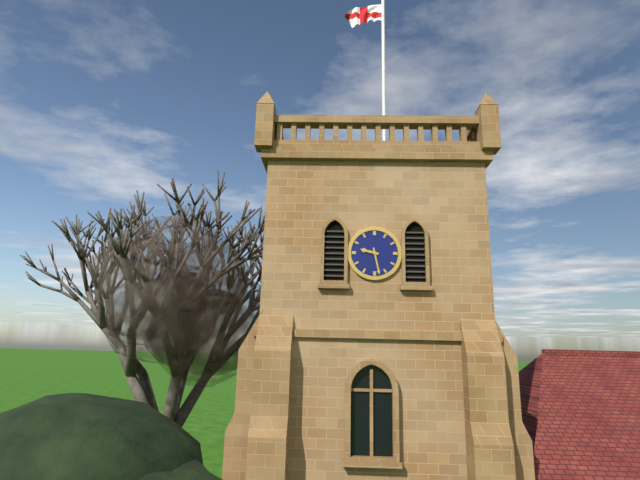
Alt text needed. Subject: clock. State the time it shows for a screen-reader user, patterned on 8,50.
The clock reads 9,28
